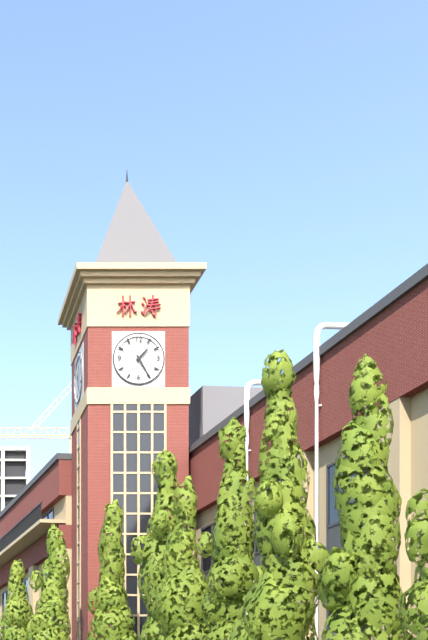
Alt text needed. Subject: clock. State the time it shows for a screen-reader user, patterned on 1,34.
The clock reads 1,25
